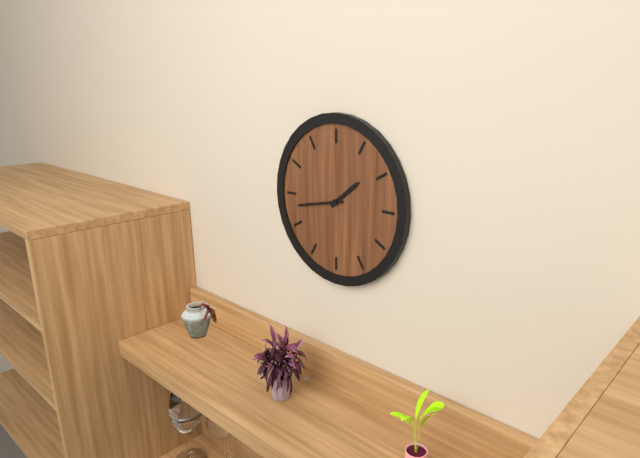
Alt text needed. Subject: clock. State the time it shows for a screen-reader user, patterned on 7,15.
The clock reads 1,43
